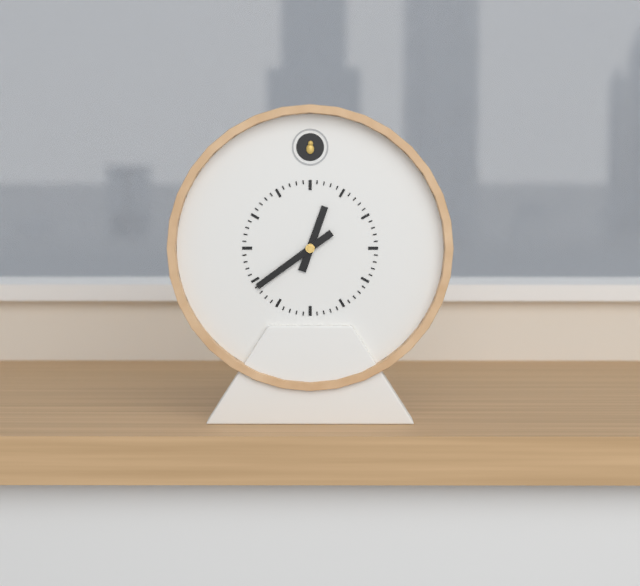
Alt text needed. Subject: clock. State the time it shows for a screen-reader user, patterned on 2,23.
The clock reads 12,39
